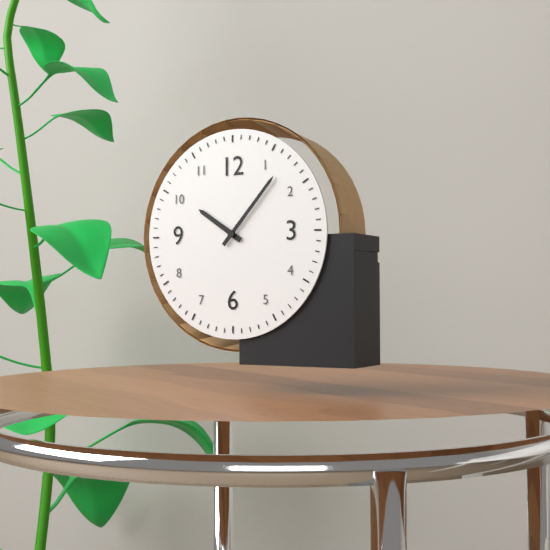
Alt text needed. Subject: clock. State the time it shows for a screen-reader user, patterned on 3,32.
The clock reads 10,07
